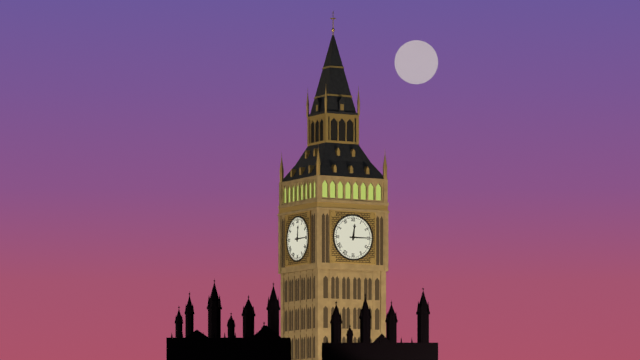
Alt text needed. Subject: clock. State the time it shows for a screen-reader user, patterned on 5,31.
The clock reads 12,15
